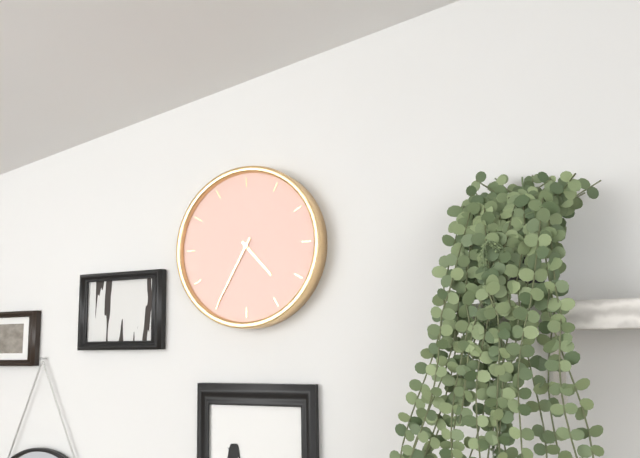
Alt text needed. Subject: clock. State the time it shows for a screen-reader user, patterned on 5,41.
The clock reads 4,35
